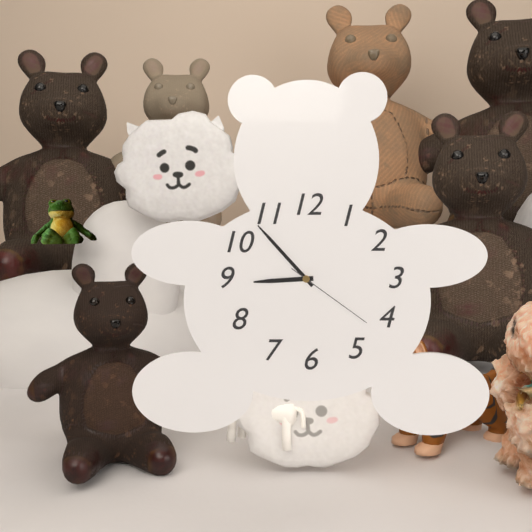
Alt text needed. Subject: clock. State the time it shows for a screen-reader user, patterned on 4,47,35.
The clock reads 8,53,21
